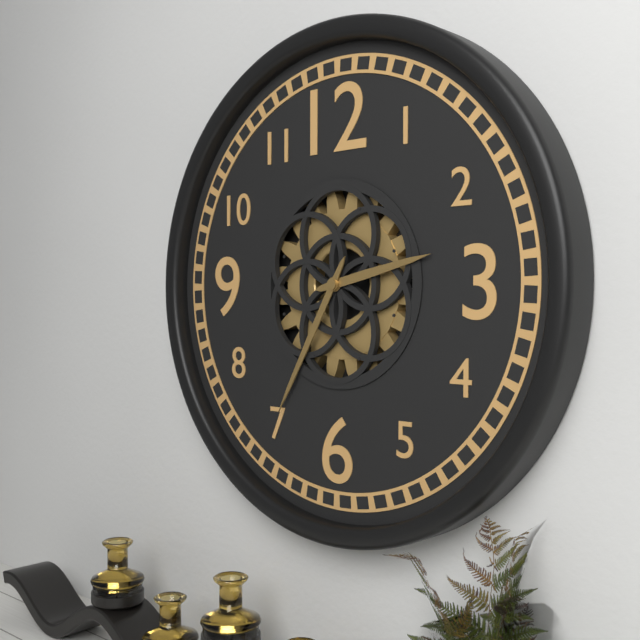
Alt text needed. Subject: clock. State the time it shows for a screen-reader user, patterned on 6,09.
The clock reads 2,35
